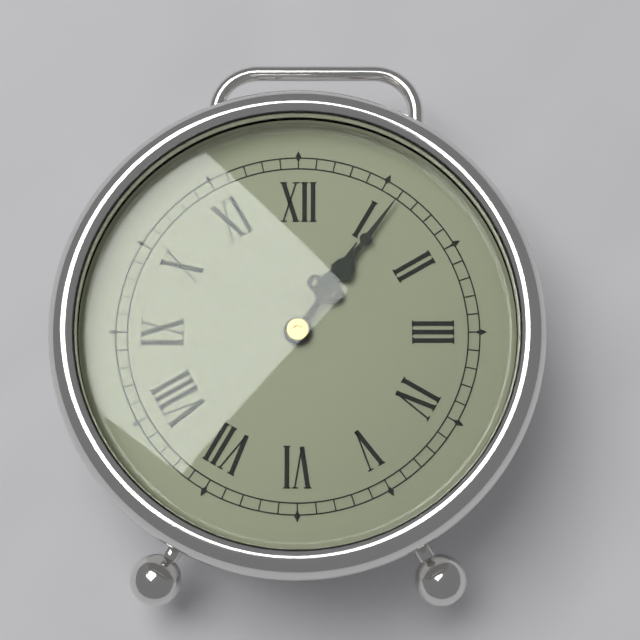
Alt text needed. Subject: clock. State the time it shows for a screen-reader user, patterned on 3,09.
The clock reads 1,06
